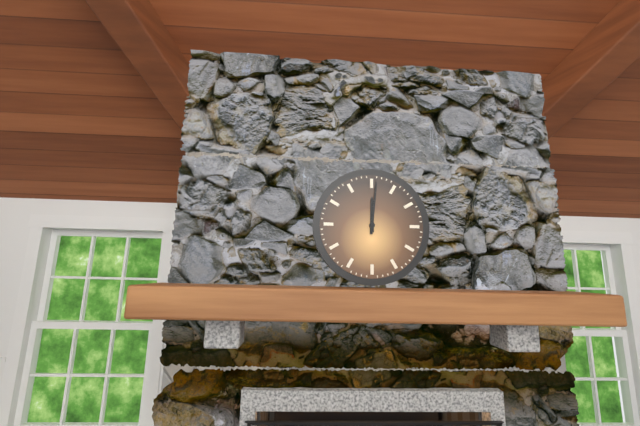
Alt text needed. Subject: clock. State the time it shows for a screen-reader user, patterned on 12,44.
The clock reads 12,01
